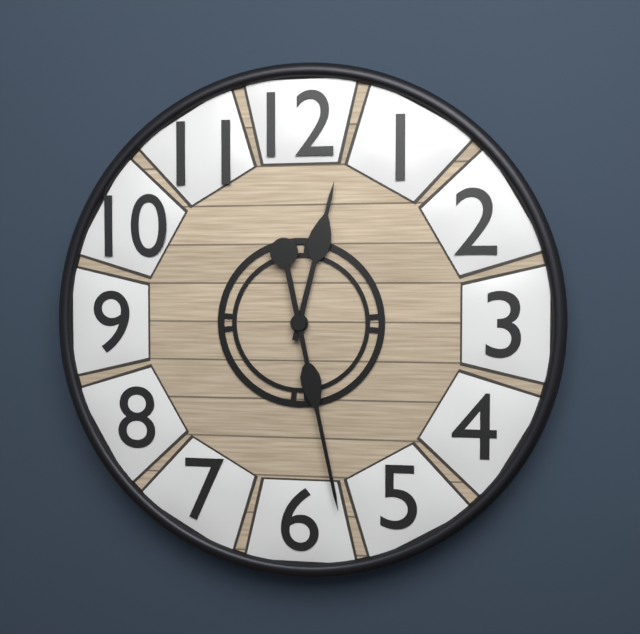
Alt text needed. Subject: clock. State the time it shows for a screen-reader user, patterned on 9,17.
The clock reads 12,28
